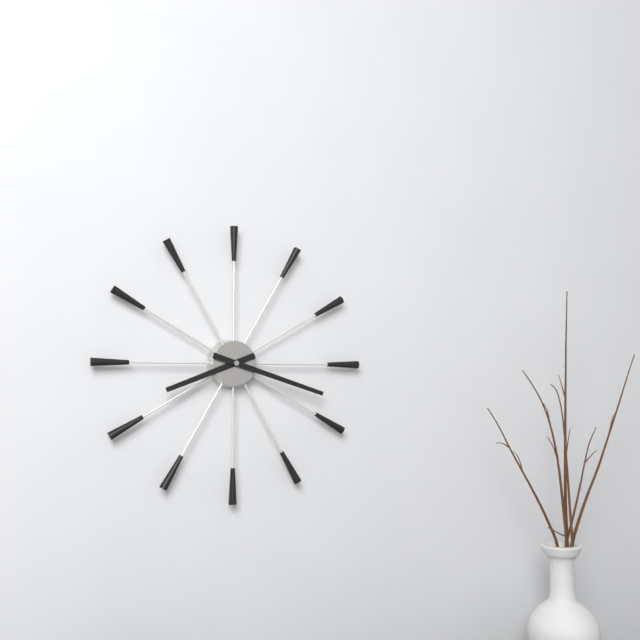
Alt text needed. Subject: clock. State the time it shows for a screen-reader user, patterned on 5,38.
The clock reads 8,18
